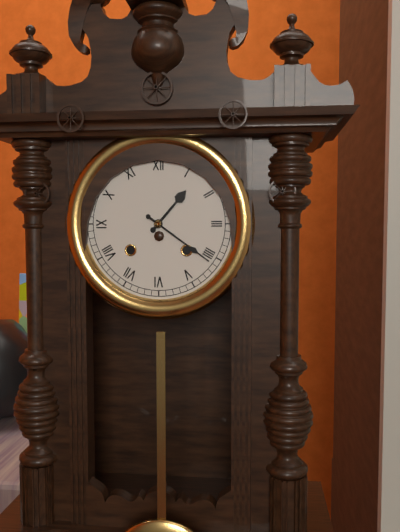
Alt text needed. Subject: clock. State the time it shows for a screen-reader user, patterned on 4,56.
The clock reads 1,21
